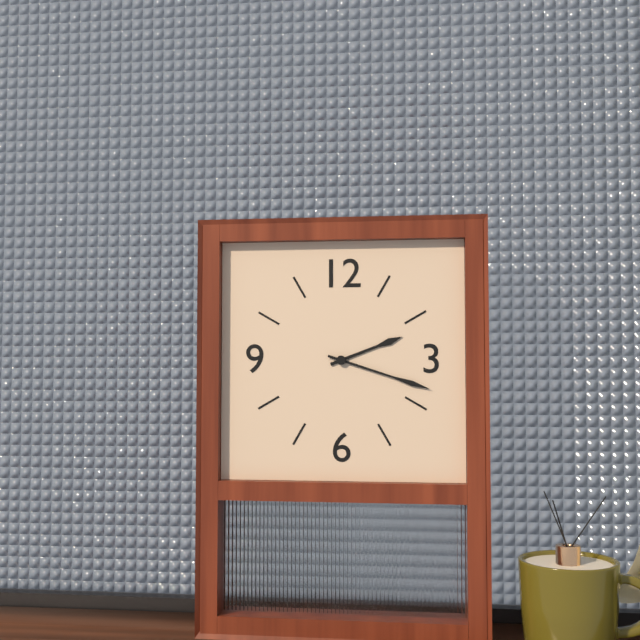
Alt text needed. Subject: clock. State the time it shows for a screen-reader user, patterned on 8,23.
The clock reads 2,18
